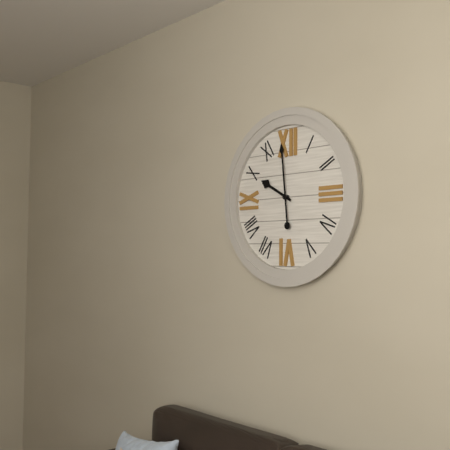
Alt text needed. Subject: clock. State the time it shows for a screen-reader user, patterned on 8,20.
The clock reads 9,59
